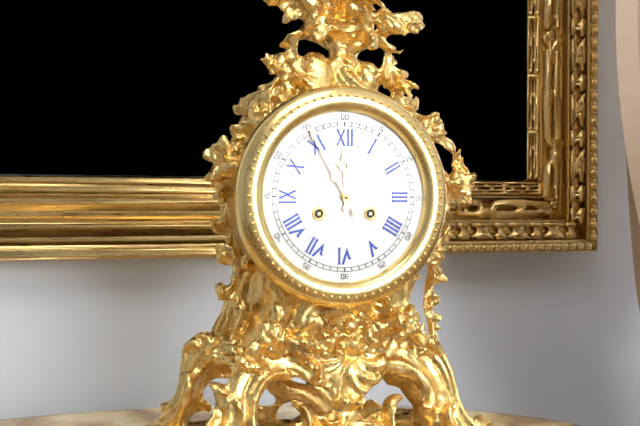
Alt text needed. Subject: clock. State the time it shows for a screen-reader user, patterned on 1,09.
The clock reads 11,55
